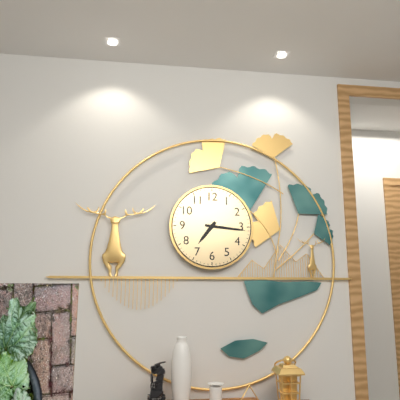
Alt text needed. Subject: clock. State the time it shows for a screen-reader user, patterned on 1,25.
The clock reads 7,16
